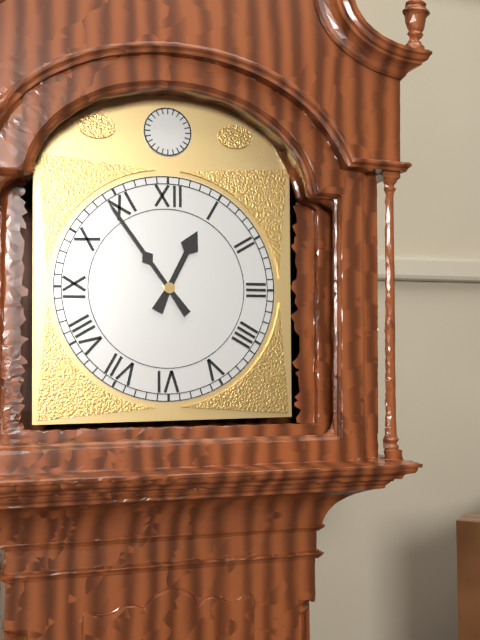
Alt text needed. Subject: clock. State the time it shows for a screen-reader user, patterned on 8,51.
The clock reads 12,54
